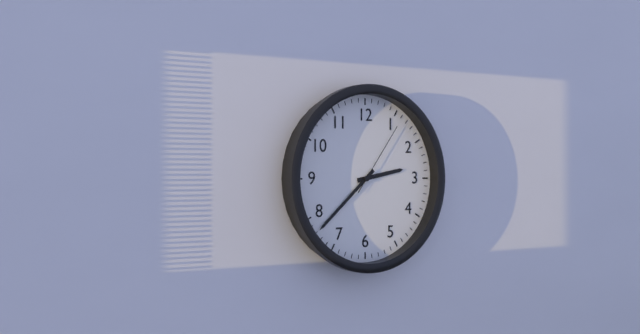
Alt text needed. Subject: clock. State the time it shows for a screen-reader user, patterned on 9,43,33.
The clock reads 2,38,06
